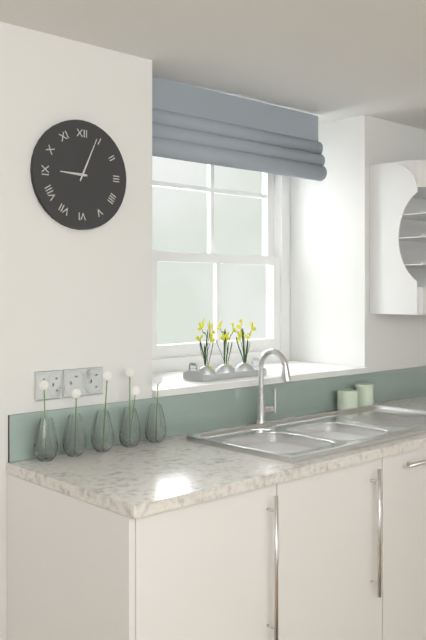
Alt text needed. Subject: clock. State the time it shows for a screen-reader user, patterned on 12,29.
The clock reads 9,04
